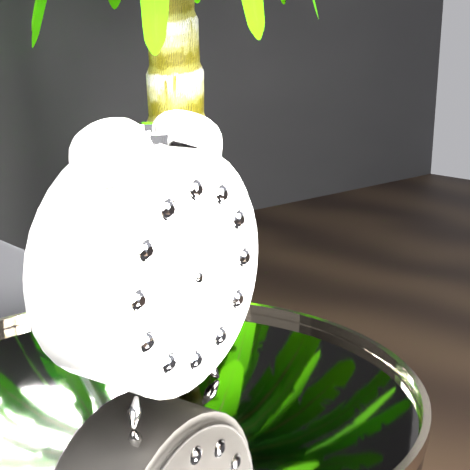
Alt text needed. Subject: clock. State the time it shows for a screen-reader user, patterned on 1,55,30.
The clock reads 7,18,20
